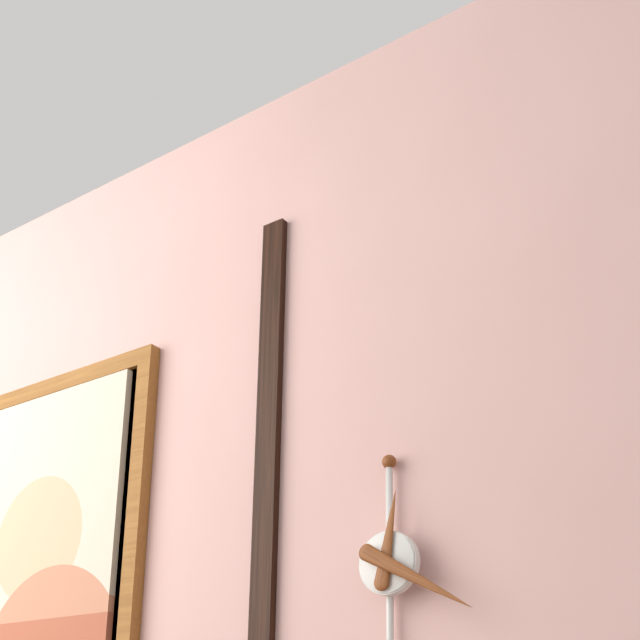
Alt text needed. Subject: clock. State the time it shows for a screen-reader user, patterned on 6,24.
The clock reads 12,20
